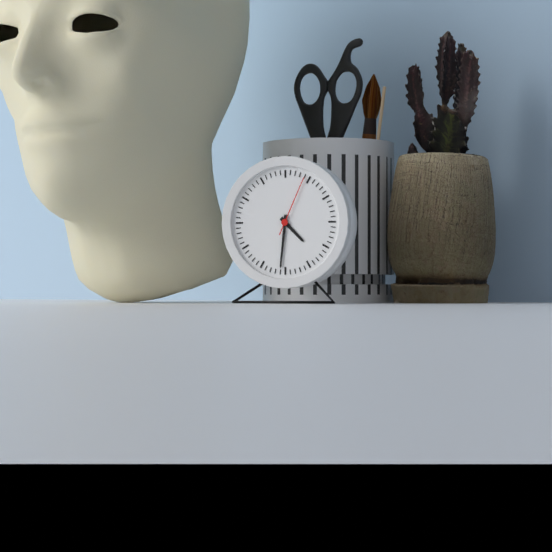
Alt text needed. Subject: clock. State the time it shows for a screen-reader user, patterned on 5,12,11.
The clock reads 4,31,04
